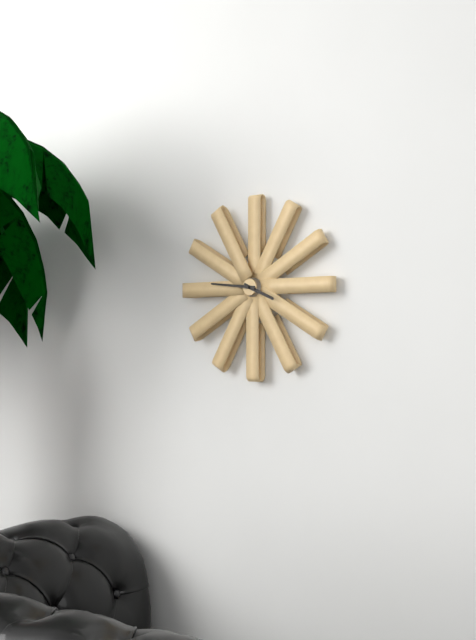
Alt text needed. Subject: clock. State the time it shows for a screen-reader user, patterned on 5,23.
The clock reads 3,46
